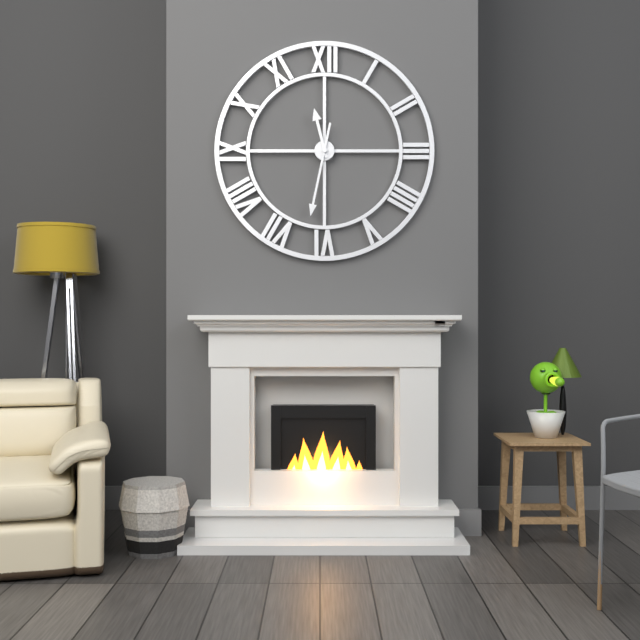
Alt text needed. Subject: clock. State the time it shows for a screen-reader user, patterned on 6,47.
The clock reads 11,32
